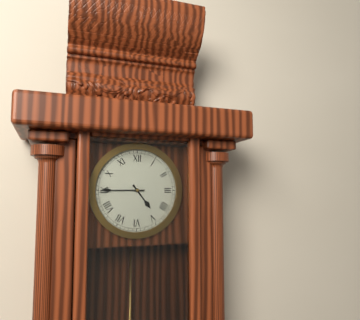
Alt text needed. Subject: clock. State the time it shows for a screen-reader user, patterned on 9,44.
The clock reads 4,45
